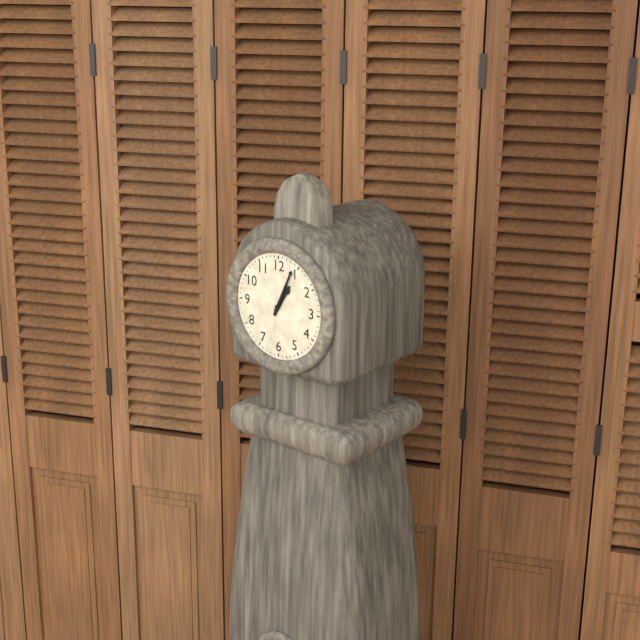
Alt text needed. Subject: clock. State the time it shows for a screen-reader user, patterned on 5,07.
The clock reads 1,04
